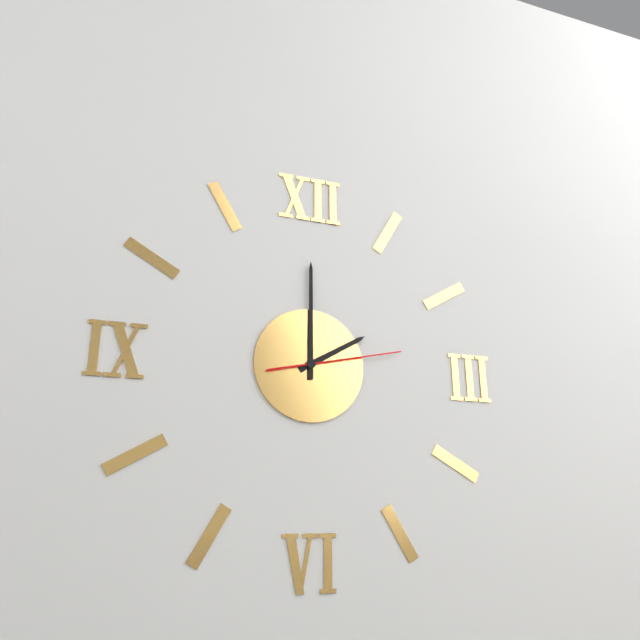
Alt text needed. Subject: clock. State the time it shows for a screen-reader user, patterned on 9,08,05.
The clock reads 2,00,13
